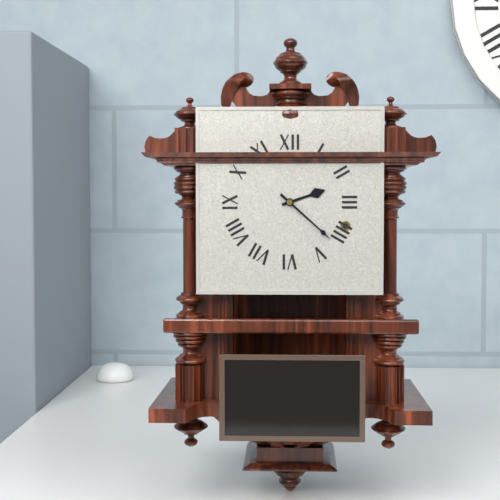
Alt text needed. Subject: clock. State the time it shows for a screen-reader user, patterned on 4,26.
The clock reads 2,22
